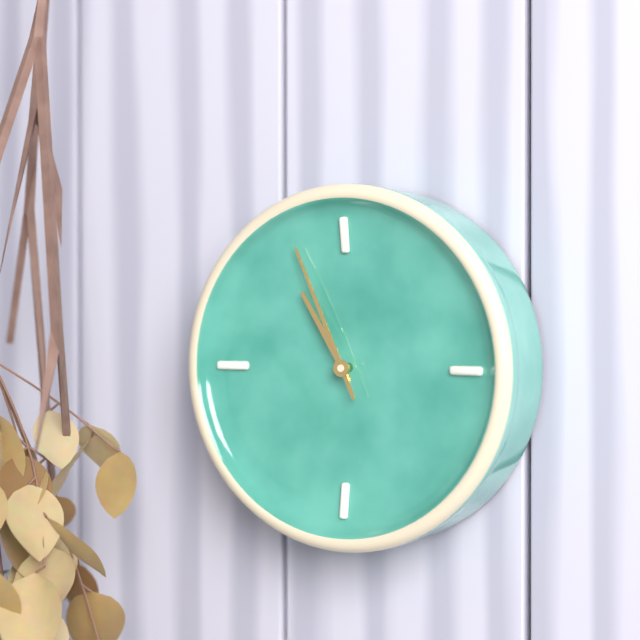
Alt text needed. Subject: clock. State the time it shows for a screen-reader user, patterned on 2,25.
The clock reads 10,56
